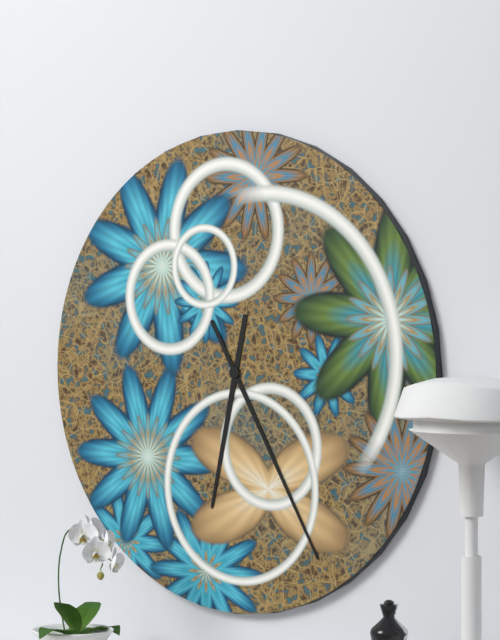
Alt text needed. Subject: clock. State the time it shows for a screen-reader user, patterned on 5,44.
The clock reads 6,25
